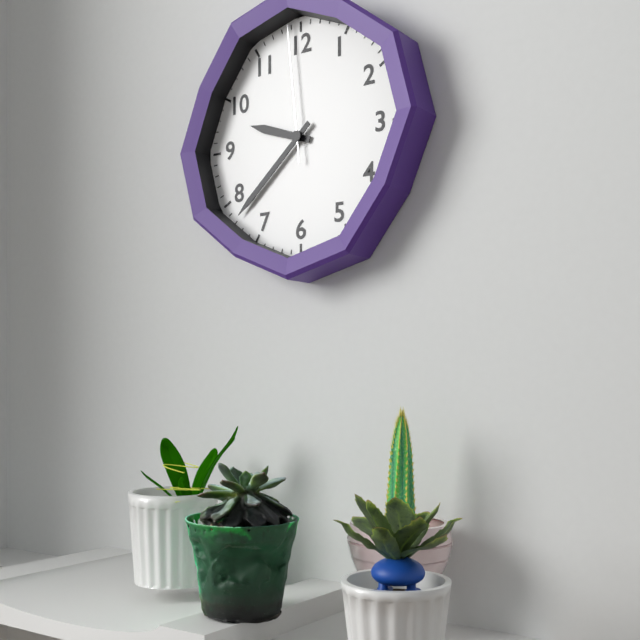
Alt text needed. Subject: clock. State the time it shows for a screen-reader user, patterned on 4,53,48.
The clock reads 9,38,59
